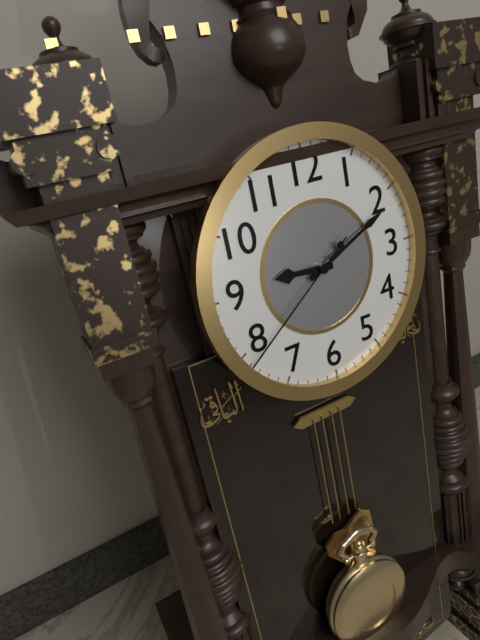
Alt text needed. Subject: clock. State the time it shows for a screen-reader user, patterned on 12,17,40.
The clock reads 9,11,39
